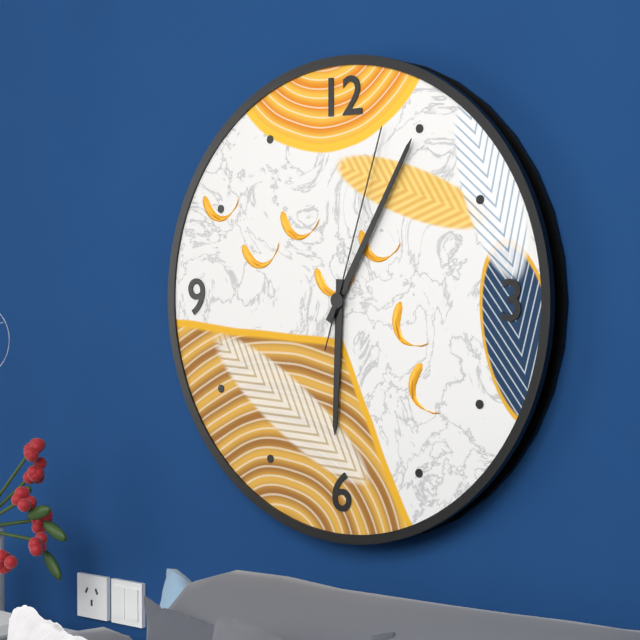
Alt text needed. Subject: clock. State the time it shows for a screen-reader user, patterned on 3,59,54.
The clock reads 6,05,03
